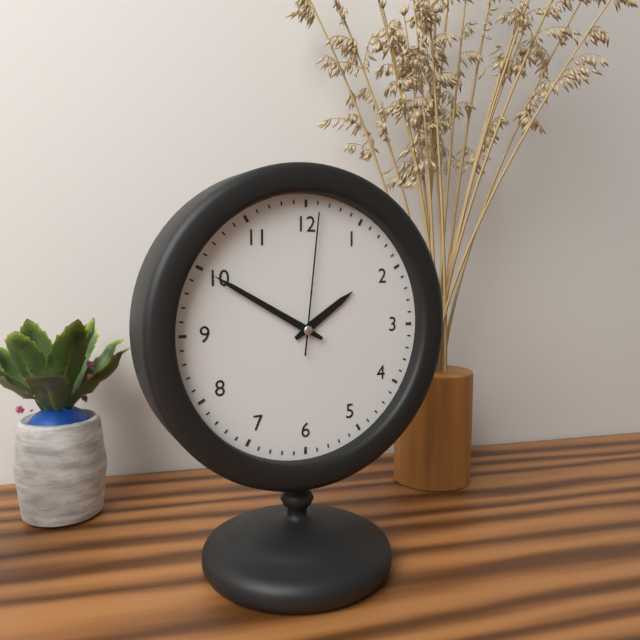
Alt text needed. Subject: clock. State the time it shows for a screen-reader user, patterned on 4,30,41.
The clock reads 1,50,01
